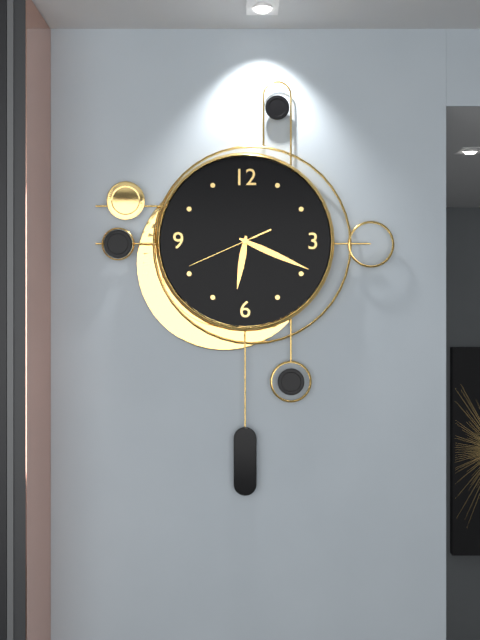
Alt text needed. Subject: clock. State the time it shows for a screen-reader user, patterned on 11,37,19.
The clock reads 6,19,41
